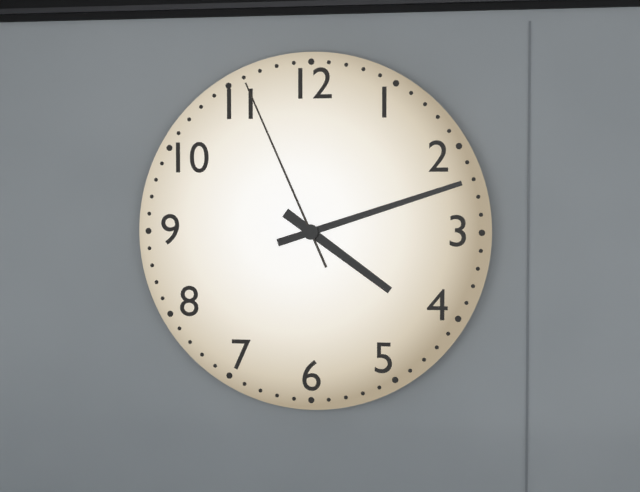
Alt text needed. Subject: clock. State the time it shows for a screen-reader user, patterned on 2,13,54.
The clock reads 4,12,56
